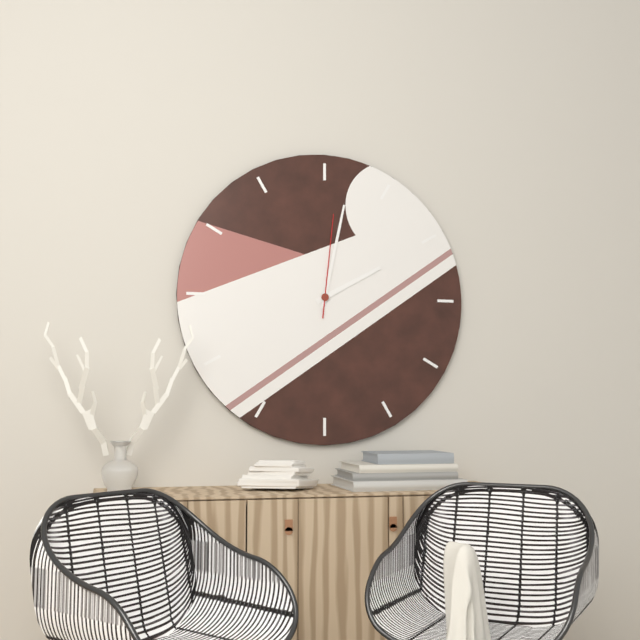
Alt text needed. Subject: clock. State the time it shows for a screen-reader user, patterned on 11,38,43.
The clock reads 2,02,01
